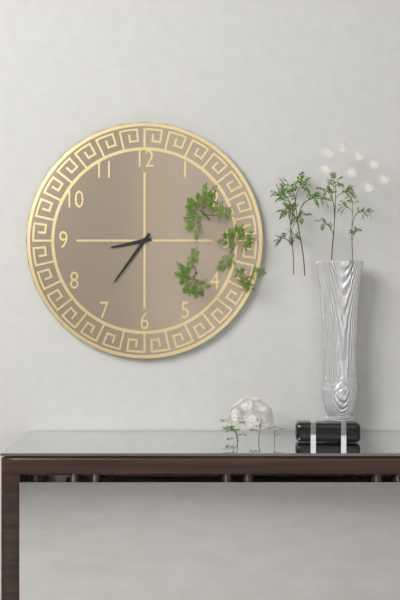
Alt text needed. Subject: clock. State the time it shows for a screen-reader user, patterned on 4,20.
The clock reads 8,36
